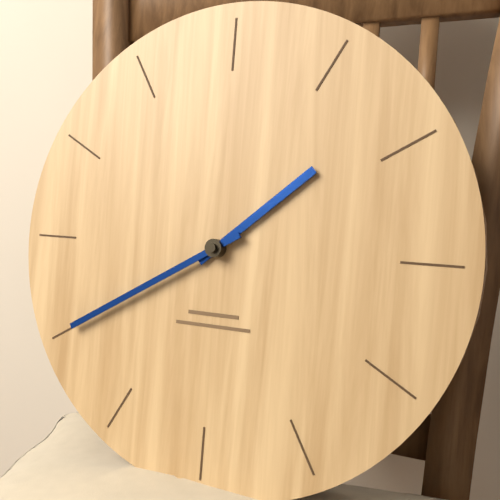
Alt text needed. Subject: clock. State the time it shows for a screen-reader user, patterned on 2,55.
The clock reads 1,40
